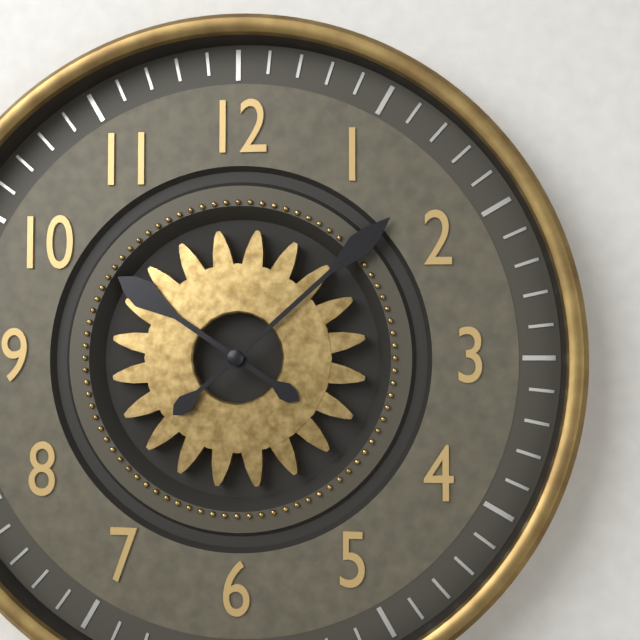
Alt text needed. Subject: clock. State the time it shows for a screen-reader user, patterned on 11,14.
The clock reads 10,08
